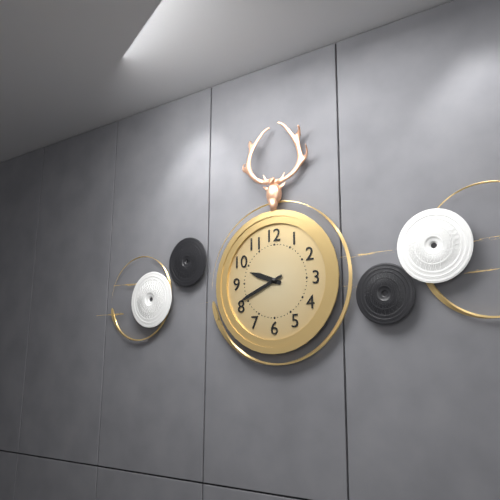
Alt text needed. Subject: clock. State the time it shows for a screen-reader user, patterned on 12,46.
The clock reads 9,41
